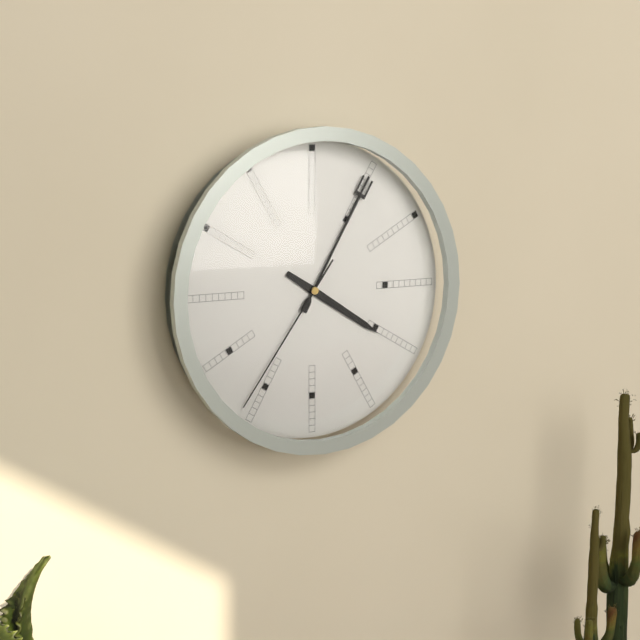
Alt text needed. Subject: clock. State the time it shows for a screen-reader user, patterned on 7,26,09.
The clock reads 4,05,36
